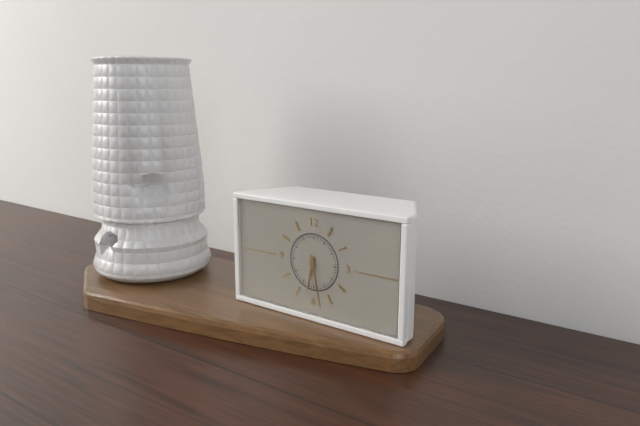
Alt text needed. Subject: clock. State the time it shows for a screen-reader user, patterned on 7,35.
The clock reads 6,28
